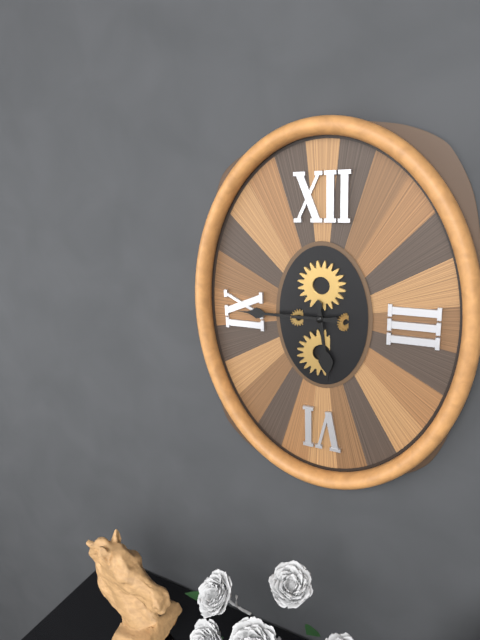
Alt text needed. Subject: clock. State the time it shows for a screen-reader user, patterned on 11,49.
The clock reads 5,45
